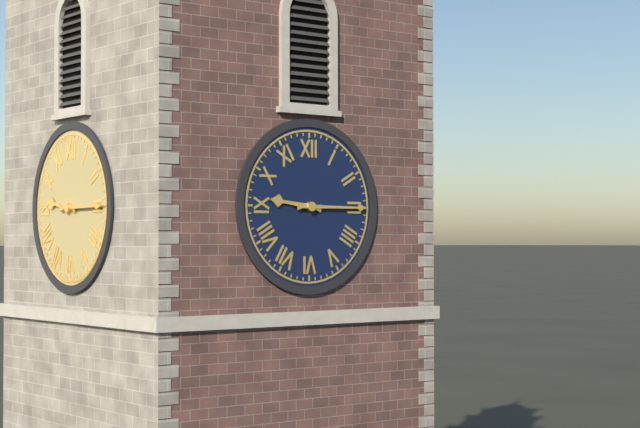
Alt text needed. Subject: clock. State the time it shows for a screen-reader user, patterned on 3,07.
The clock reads 9,15
